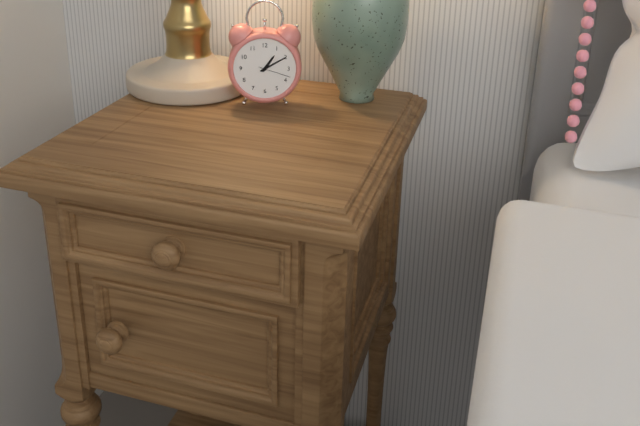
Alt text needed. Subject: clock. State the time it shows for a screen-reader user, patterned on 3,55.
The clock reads 1,10
